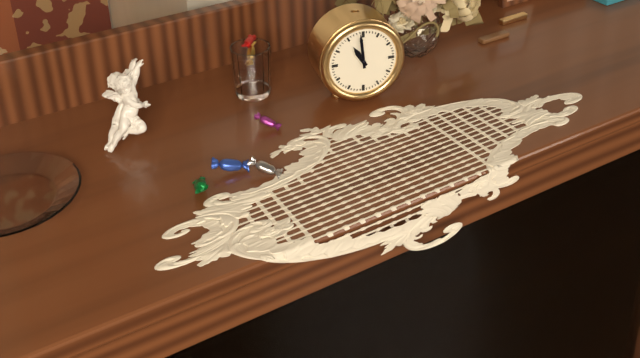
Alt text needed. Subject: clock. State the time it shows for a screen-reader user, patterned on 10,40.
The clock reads 10,59
